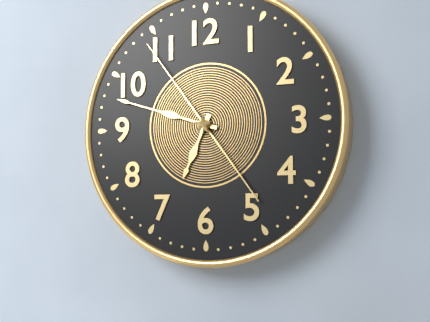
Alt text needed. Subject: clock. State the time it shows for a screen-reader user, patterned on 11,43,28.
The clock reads 6,48,54
